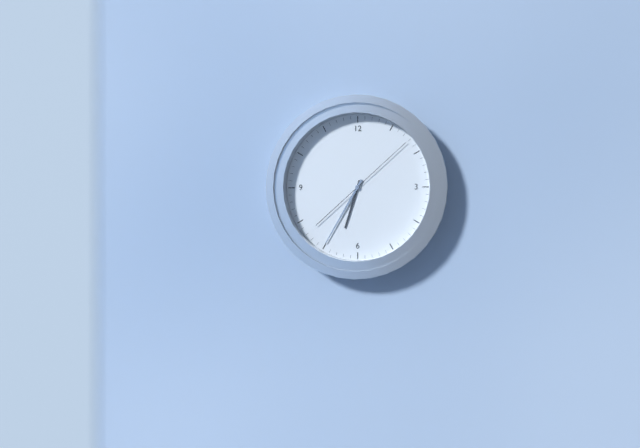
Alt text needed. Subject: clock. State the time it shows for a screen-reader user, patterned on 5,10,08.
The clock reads 6,35,08
